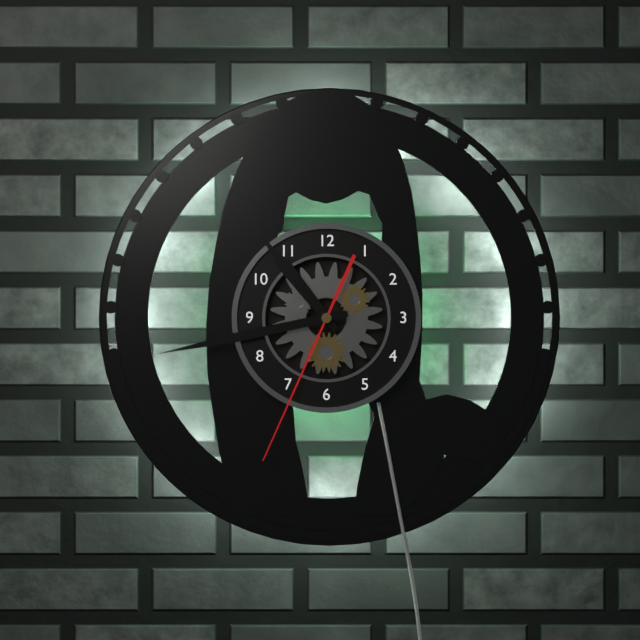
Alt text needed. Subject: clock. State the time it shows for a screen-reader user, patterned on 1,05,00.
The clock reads 10,43,34
